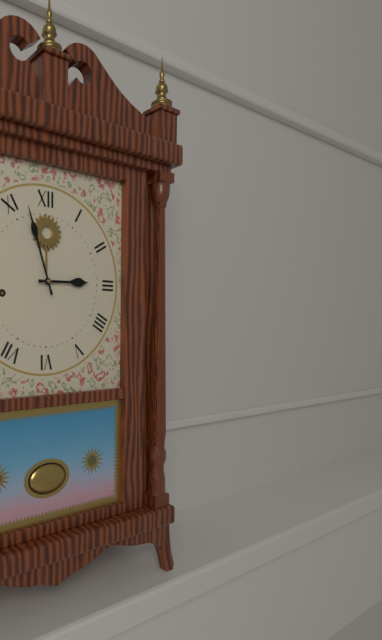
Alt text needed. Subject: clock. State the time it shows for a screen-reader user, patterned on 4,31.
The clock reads 2,57
